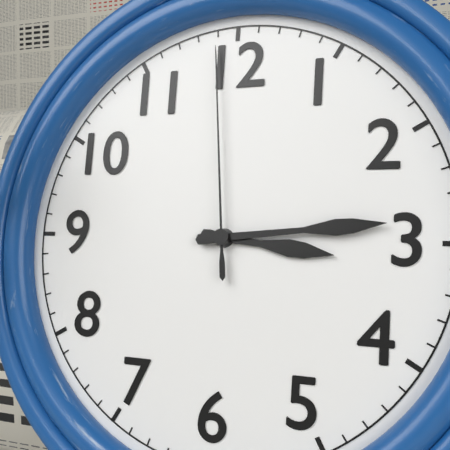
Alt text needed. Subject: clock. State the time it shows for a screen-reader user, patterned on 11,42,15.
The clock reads 3,14,59
